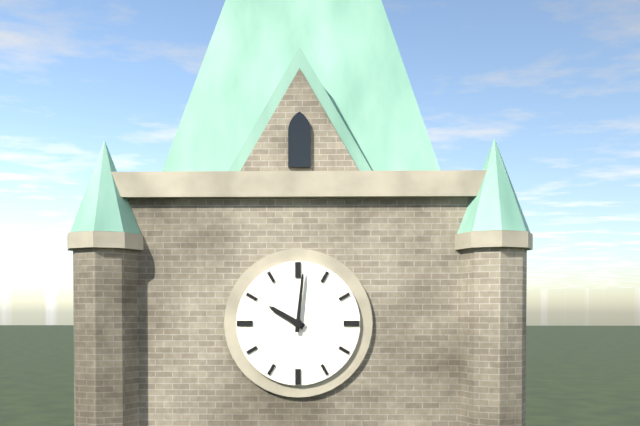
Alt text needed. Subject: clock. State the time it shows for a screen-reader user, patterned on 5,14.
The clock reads 10,01
